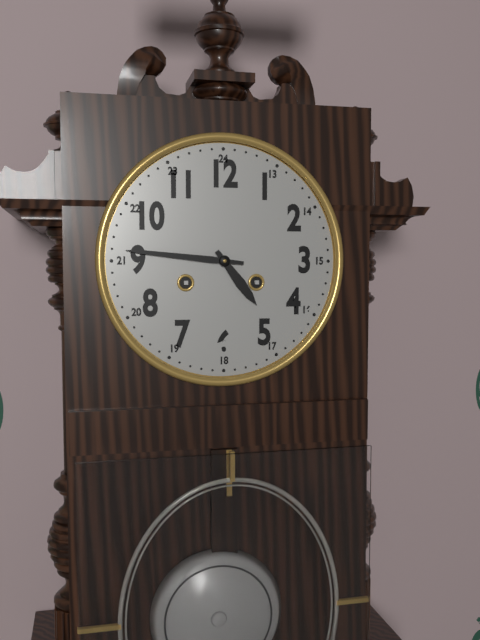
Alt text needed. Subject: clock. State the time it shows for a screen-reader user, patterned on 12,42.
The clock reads 4,46
